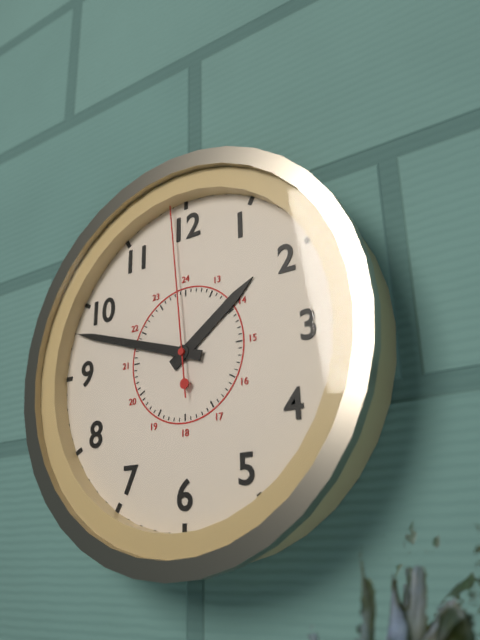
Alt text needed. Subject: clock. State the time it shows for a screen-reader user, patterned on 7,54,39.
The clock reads 1,48,59
